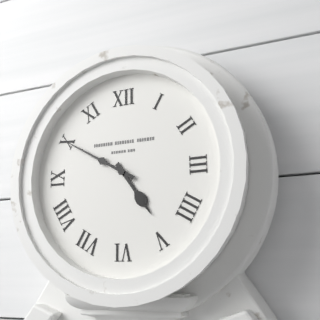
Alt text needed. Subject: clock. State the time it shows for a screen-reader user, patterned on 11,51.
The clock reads 4,50
